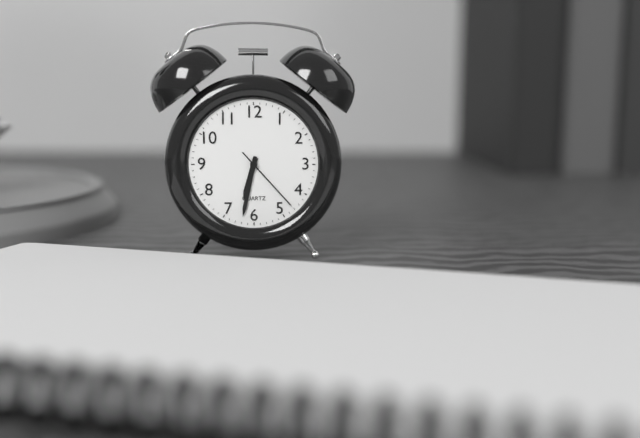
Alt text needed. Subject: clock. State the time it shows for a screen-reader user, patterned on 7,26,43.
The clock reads 6,32,23
